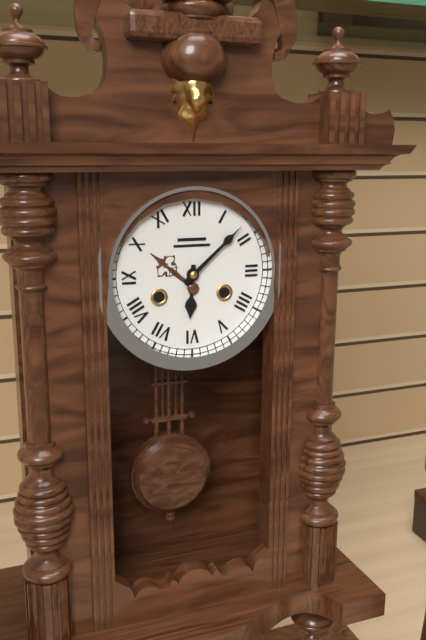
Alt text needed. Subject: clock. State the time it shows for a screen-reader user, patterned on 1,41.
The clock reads 6,08
